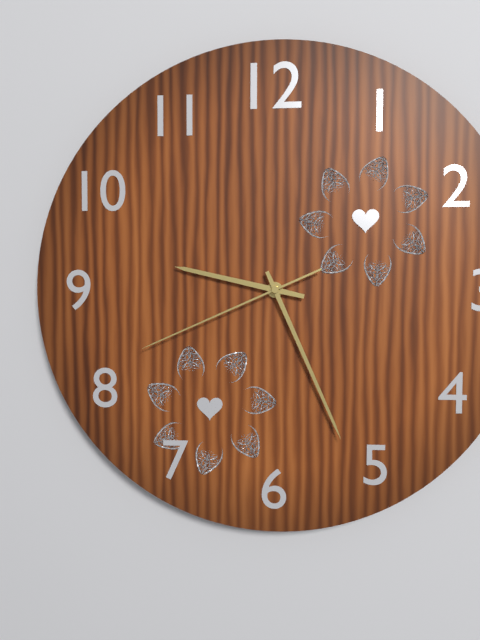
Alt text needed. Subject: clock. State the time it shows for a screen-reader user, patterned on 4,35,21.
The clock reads 9,26,41
